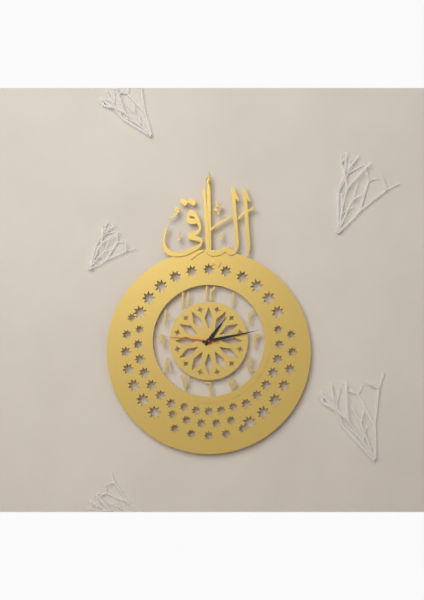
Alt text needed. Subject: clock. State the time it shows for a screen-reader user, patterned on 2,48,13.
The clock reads 1,13,46
